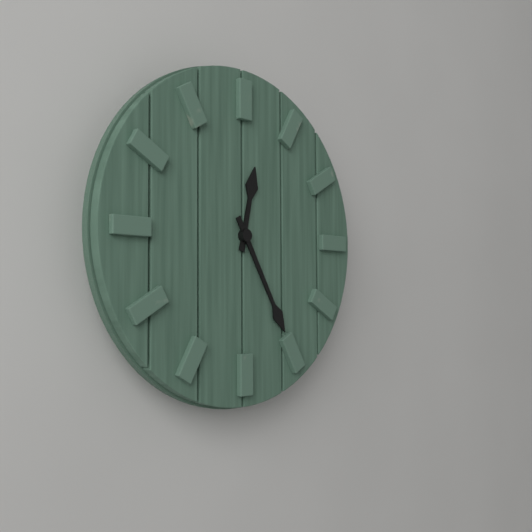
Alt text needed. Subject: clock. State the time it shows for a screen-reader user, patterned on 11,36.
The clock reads 12,25
